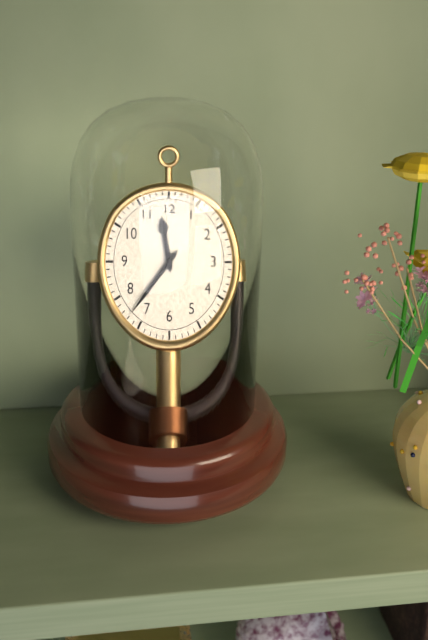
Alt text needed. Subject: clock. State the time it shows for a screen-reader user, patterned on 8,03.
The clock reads 11,37
